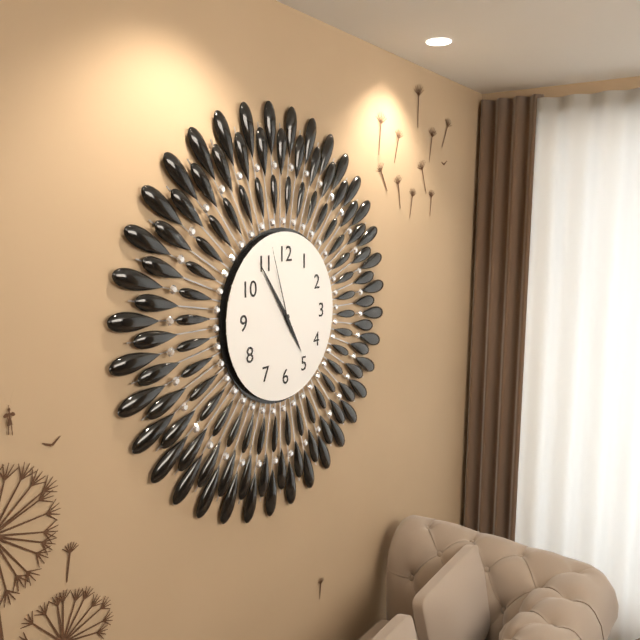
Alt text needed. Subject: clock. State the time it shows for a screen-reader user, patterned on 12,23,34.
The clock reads 4,54,57
